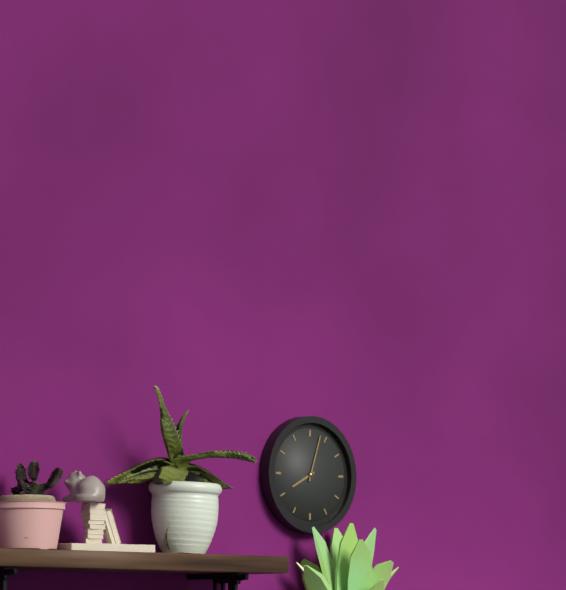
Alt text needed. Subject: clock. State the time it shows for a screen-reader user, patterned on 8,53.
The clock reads 8,03
